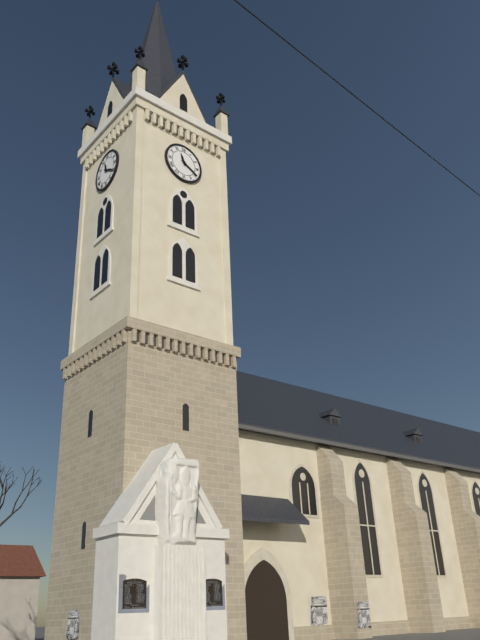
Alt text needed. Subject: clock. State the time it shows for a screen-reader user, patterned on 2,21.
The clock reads 11,20
